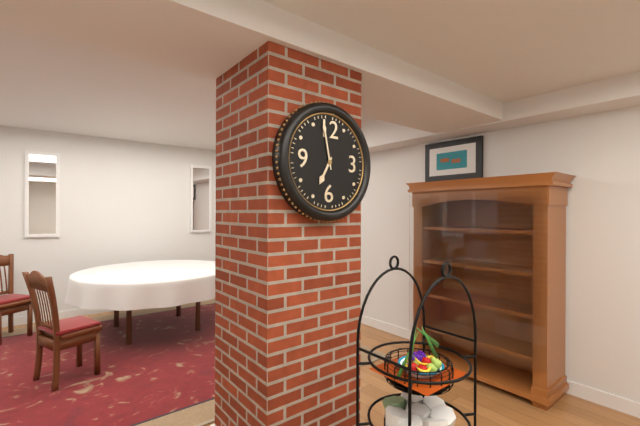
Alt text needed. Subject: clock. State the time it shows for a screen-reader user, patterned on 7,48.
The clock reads 6,58
